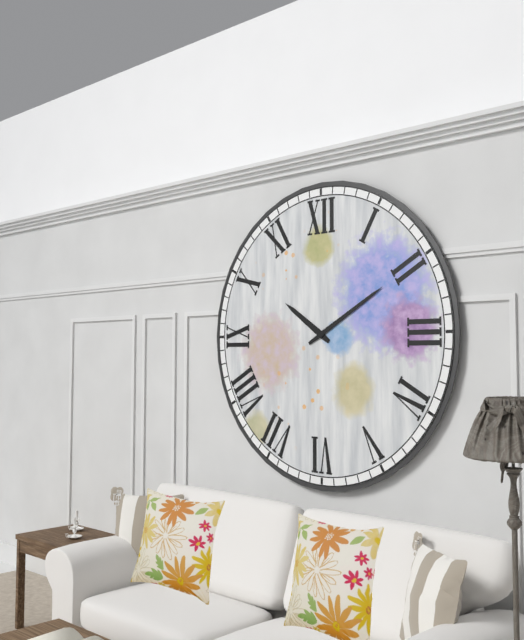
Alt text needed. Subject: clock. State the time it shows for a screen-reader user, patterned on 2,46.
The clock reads 10,10
